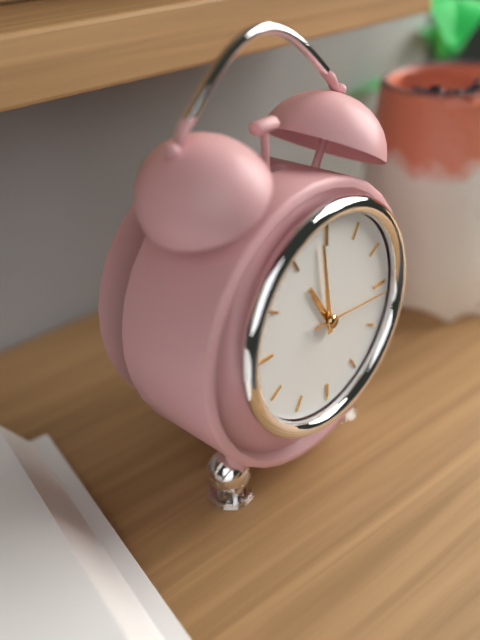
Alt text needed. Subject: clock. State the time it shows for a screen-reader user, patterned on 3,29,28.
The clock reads 10,59,16
